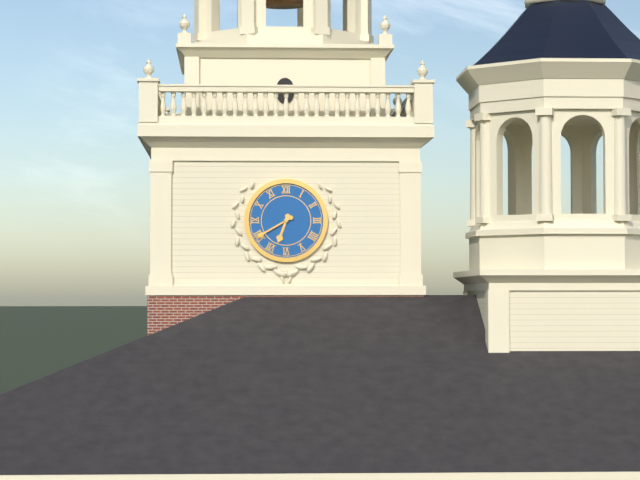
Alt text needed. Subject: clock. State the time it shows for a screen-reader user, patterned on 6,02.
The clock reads 6,40
